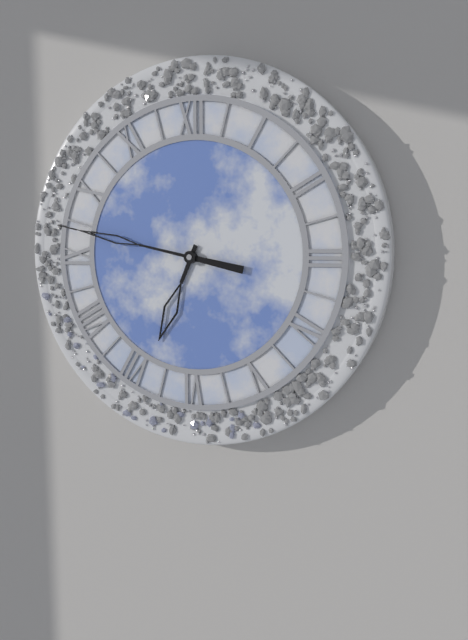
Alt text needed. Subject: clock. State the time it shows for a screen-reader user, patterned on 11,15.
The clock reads 6,47
